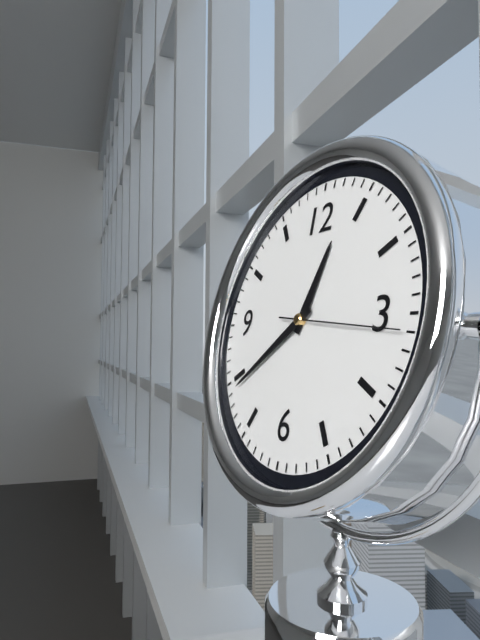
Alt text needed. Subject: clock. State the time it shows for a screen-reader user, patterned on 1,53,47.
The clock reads 12,39,16
